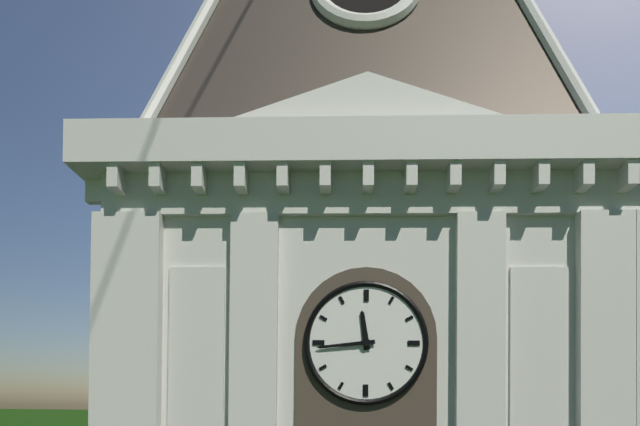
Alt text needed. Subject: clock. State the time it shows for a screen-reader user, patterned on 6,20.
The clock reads 11,44
